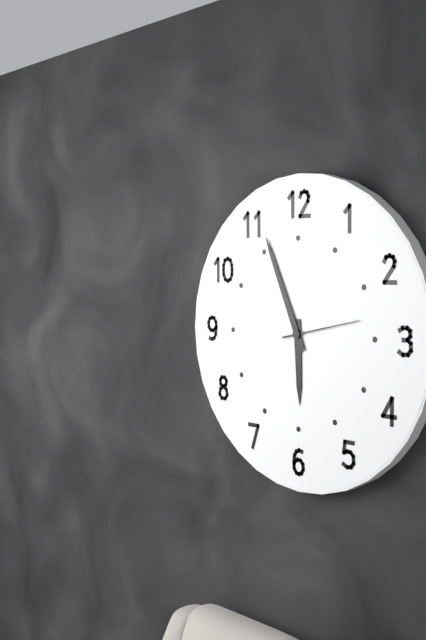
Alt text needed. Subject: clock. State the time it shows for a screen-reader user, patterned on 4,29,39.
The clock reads 5,56,13
